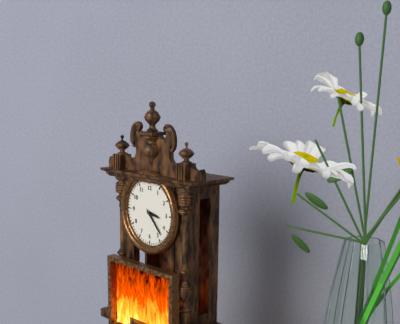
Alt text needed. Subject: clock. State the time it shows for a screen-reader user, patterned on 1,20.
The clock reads 3,23
